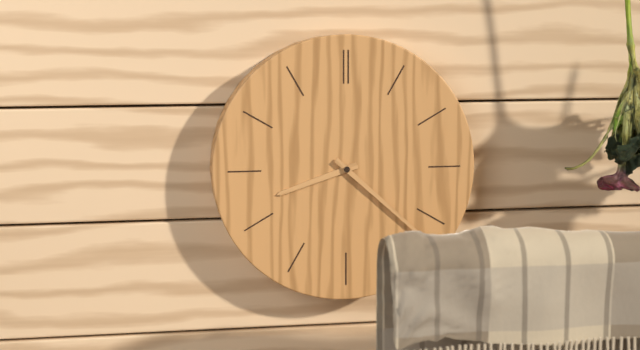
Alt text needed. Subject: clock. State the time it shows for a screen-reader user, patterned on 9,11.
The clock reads 8,22
